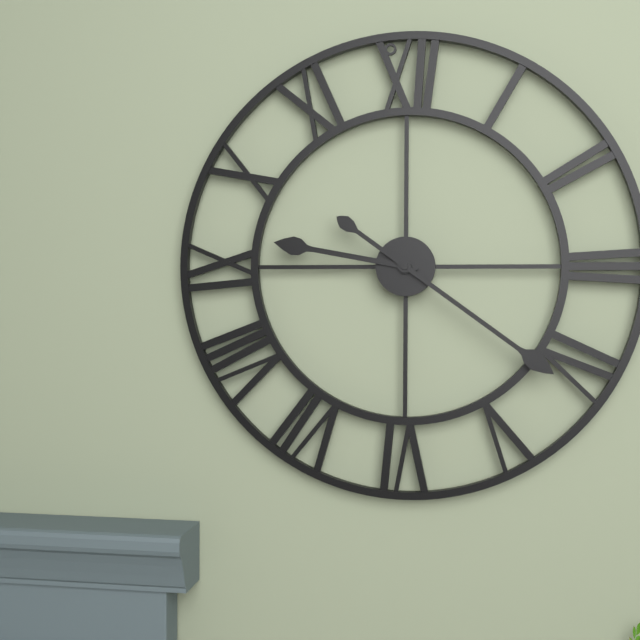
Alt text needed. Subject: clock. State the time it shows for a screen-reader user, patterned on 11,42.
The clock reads 9,21
